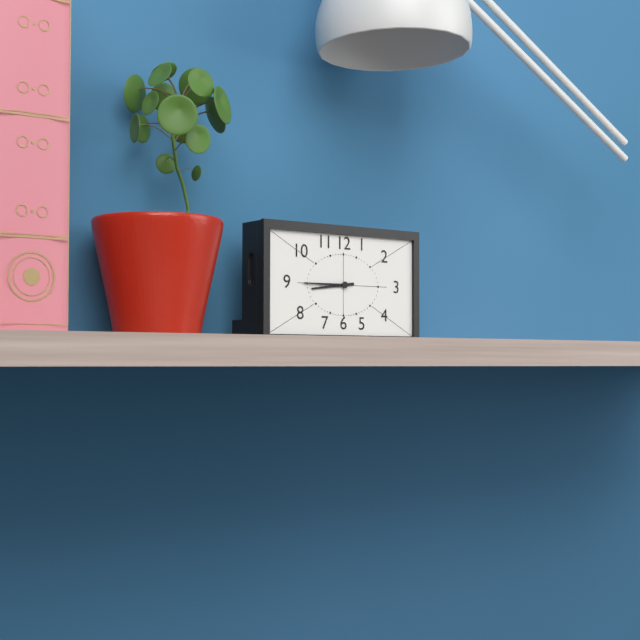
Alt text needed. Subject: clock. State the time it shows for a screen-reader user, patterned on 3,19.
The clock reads 8,45
